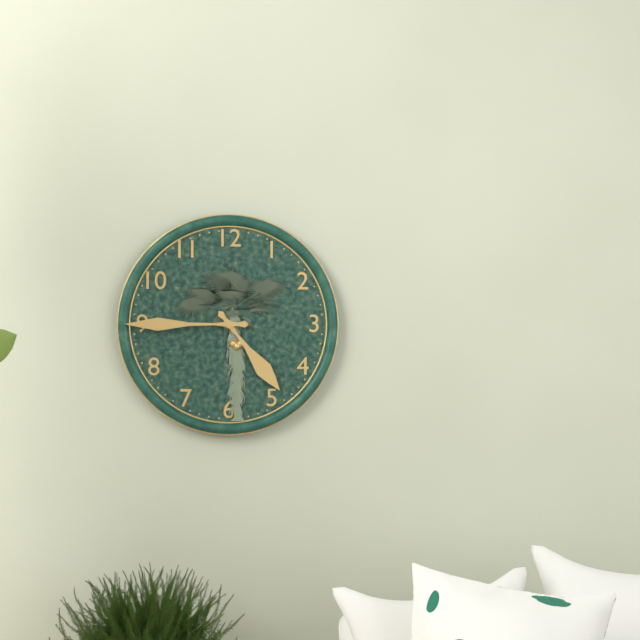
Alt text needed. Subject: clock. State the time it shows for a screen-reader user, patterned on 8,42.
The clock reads 4,45
